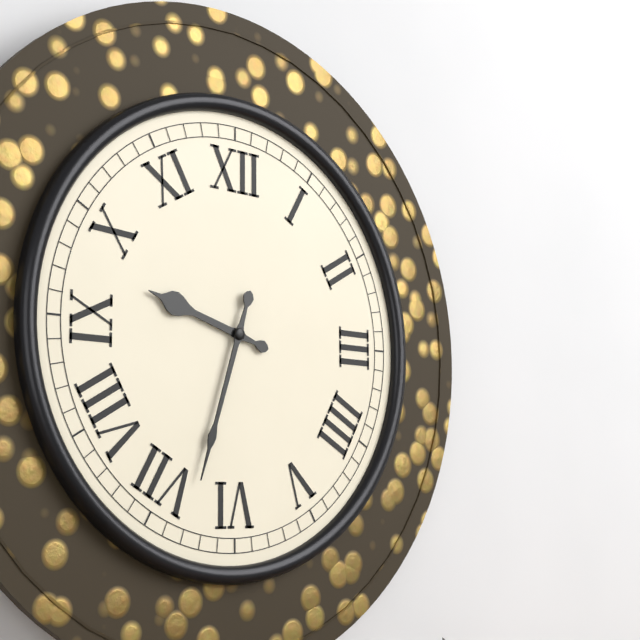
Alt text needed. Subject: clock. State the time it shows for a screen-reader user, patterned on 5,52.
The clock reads 9,33
